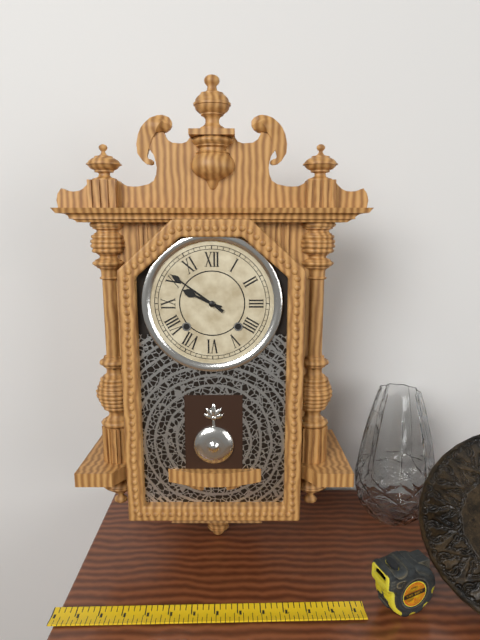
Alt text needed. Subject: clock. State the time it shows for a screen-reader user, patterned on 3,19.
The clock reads 9,51
